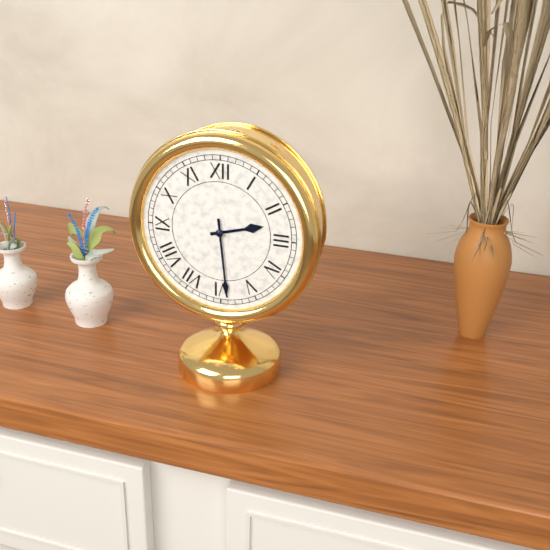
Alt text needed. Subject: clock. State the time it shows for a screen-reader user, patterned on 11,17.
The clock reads 2,29
